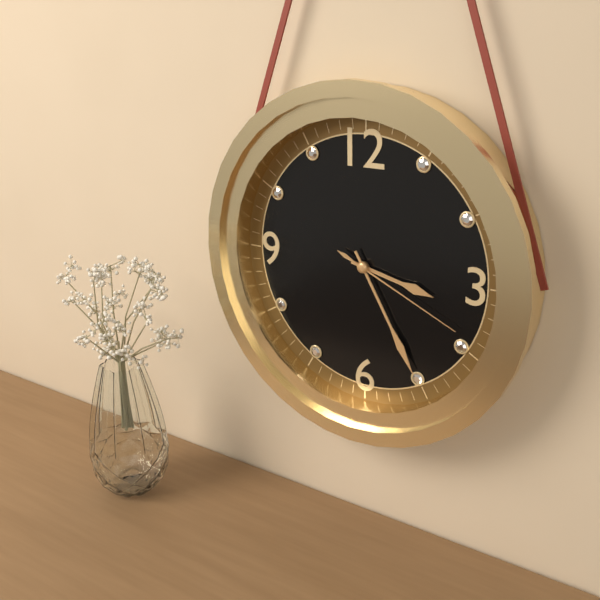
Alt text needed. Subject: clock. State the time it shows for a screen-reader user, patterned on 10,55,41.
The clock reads 3,25,19
